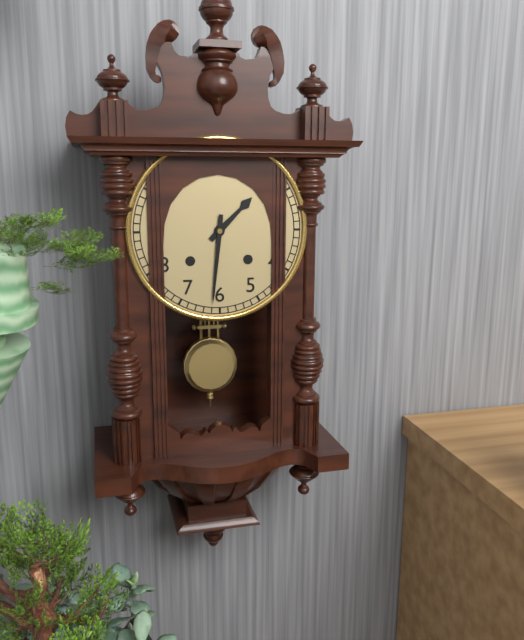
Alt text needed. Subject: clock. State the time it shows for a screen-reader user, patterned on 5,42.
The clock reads 1,31
